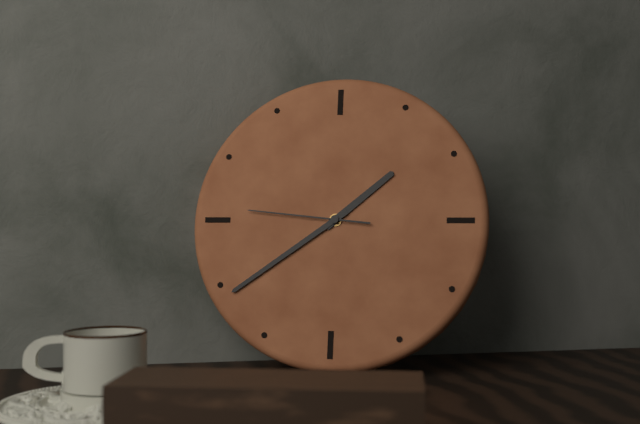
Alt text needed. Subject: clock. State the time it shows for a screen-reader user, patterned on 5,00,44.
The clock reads 1,39,46
